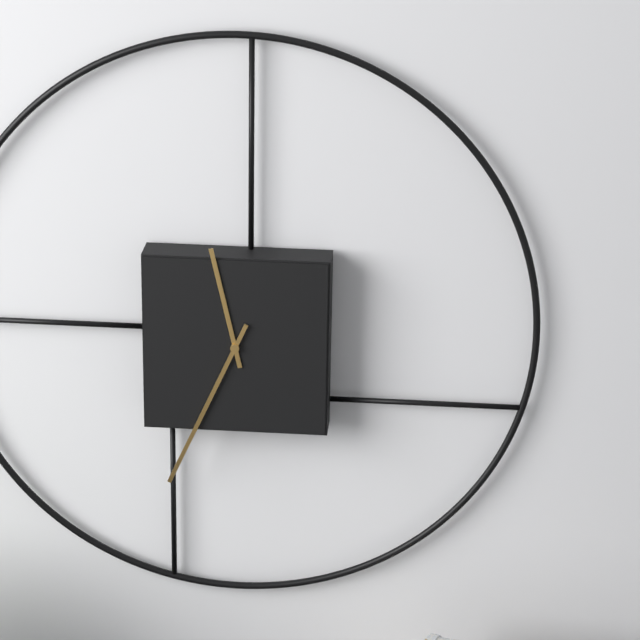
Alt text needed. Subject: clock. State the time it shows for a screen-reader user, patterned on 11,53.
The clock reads 11,34
